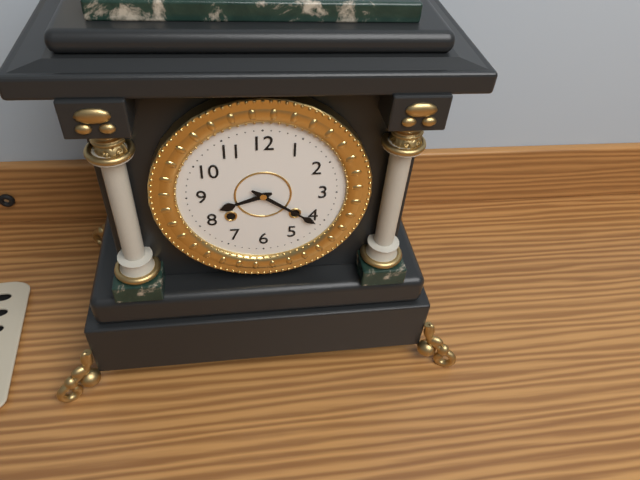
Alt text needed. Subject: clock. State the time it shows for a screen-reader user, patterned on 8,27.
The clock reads 8,21
